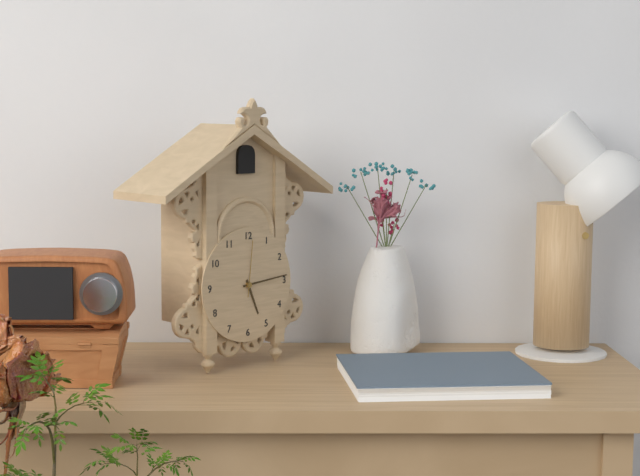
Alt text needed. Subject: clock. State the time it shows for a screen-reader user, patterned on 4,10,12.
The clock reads 5,14,01
